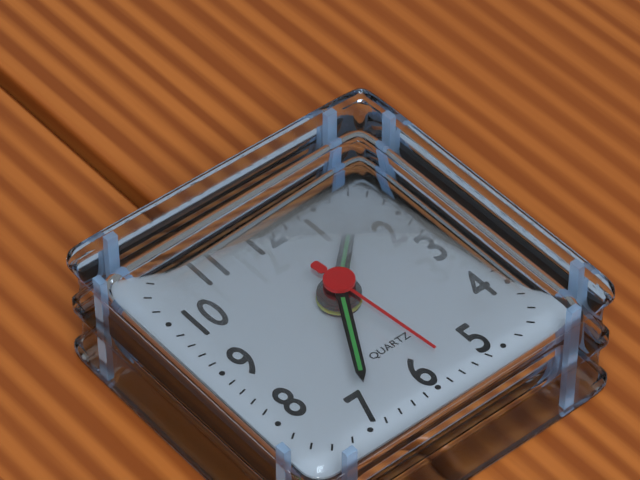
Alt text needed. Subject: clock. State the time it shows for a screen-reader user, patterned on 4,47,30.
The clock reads 1,35,29
